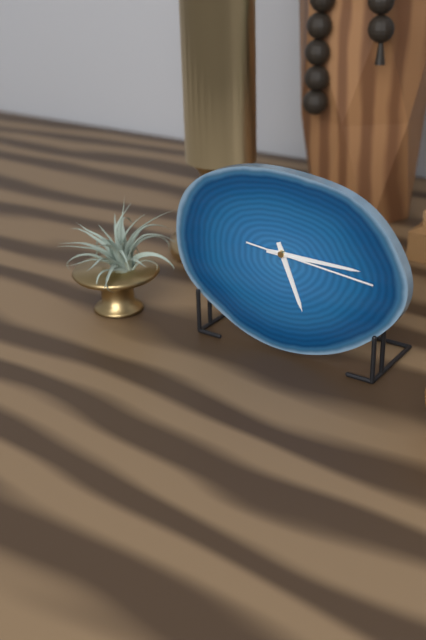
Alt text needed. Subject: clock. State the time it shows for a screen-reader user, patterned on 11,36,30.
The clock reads 5,15,16
